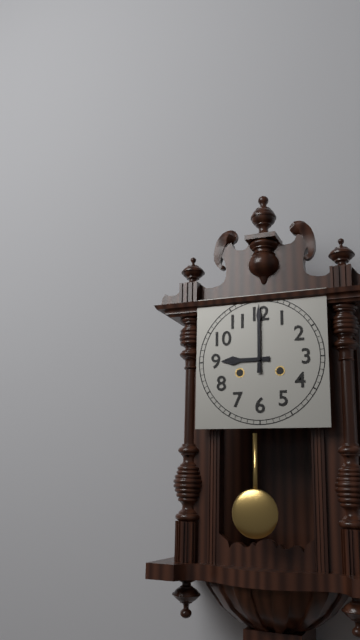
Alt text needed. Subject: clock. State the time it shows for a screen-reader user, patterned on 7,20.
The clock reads 9,00
